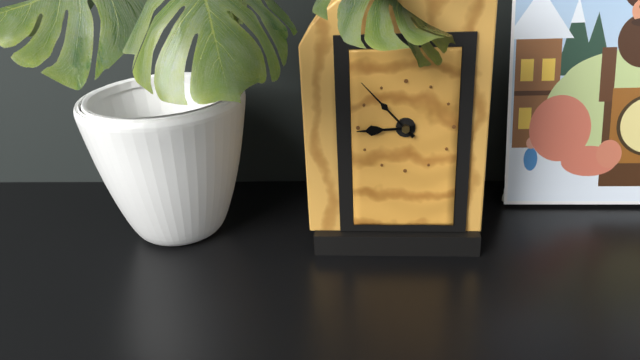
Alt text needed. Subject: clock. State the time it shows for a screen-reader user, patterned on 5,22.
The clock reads 8,53
